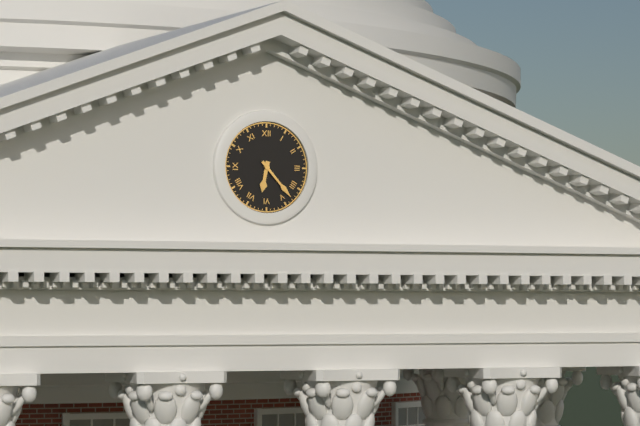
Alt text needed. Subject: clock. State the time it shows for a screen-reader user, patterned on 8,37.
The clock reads 6,23
